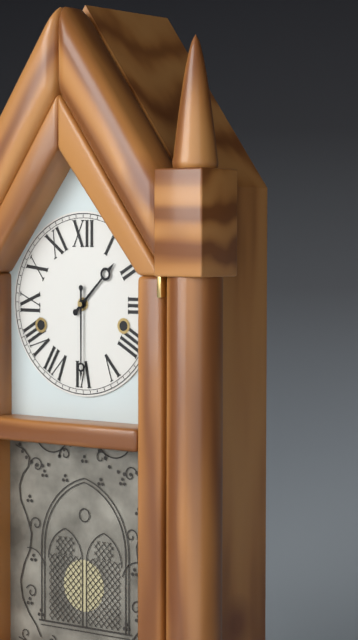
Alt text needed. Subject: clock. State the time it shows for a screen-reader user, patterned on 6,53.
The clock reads 1,30
